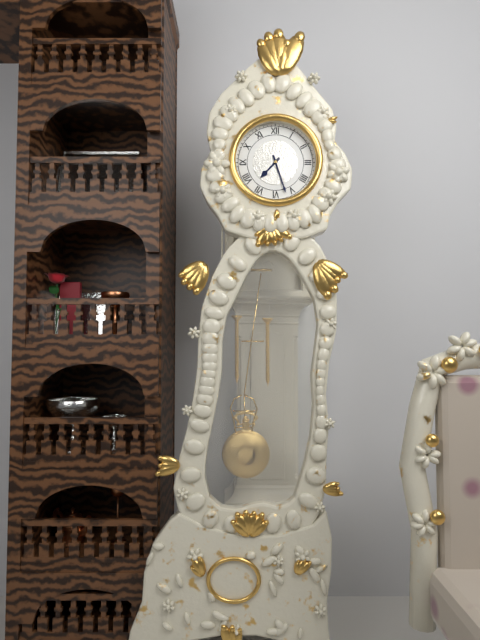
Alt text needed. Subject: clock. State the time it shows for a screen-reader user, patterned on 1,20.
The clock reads 7,27
